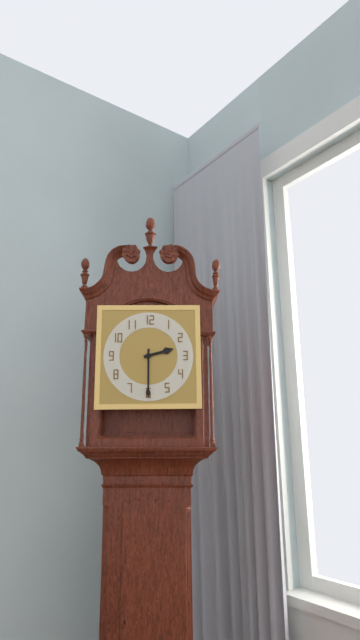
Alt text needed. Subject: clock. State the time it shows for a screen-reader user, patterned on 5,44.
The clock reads 2,30
